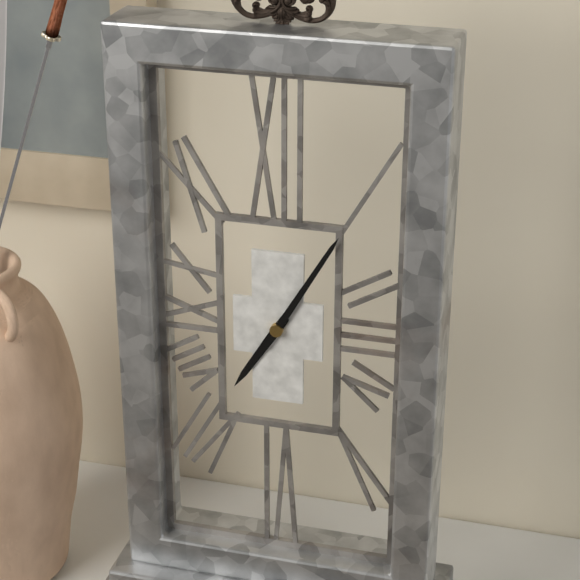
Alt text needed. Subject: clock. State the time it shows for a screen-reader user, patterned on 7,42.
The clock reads 7,05
